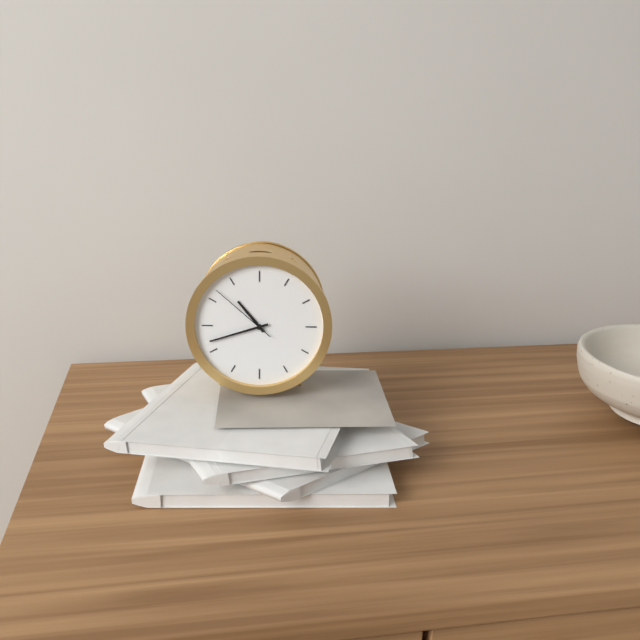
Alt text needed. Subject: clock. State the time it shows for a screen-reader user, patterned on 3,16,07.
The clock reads 10,42,52
